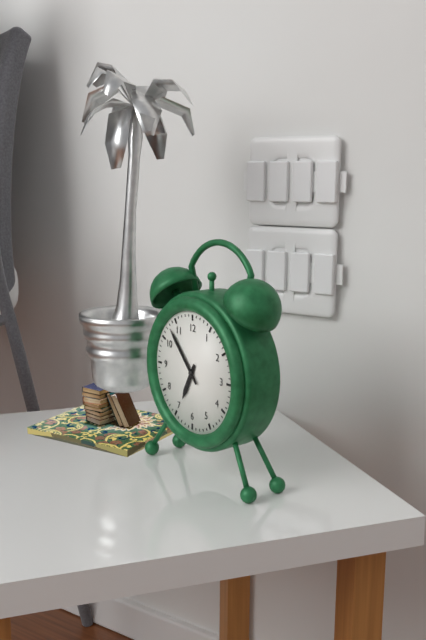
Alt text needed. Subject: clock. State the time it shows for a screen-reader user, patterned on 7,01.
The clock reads 6,53
